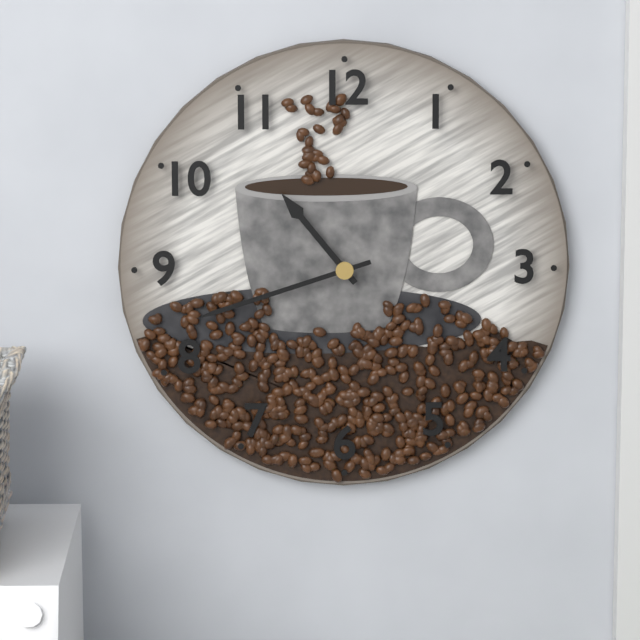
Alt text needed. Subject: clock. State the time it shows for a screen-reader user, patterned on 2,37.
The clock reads 10,42
